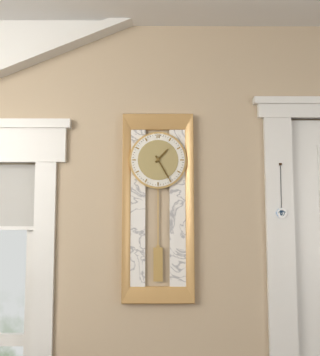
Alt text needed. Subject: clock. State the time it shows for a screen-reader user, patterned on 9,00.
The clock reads 1,25
